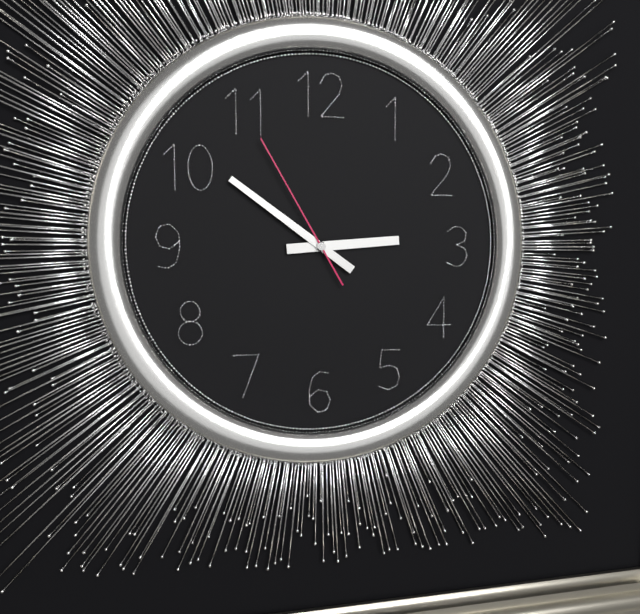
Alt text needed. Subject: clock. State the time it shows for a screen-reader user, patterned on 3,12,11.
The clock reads 2,51,55
